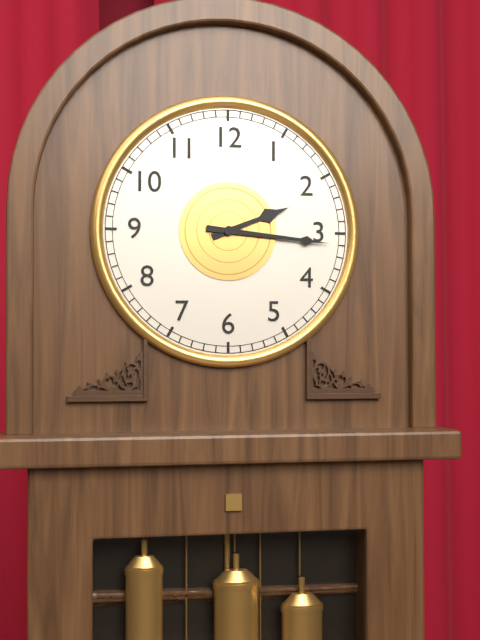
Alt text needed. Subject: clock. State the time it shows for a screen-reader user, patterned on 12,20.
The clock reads 2,16
